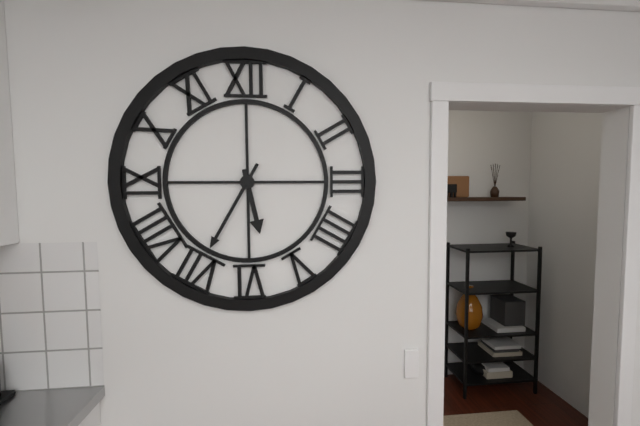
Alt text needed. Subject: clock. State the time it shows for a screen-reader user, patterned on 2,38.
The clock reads 5,35
